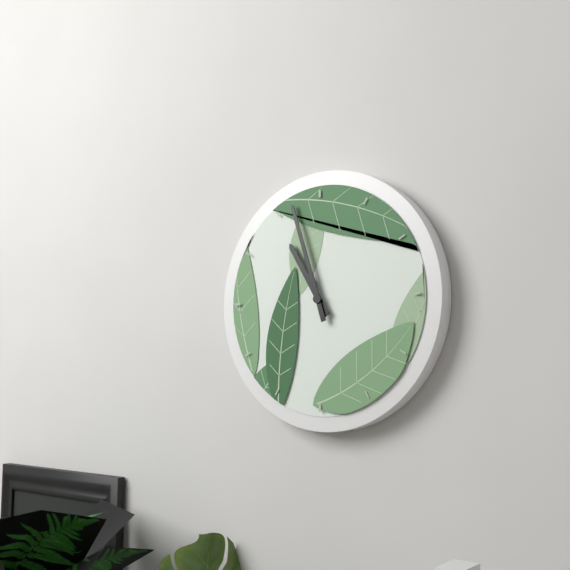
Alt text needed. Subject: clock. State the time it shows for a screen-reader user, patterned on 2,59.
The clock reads 10,57
